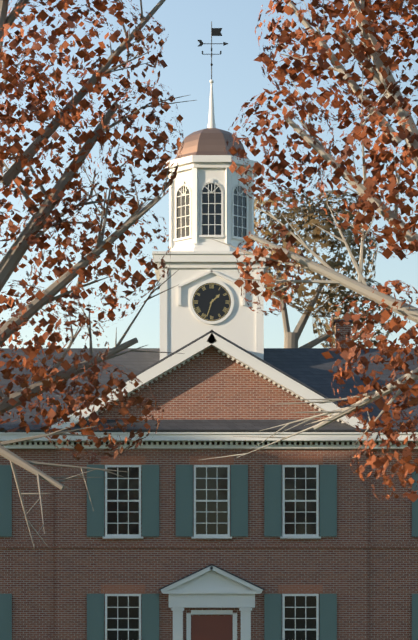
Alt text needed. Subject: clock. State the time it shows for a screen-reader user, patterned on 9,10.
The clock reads 1,33
